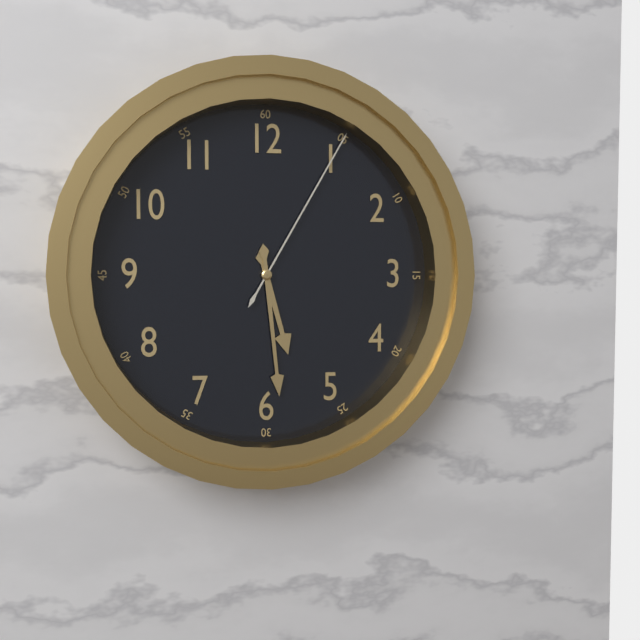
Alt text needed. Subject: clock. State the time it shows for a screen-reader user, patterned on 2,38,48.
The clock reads 5,29,05
